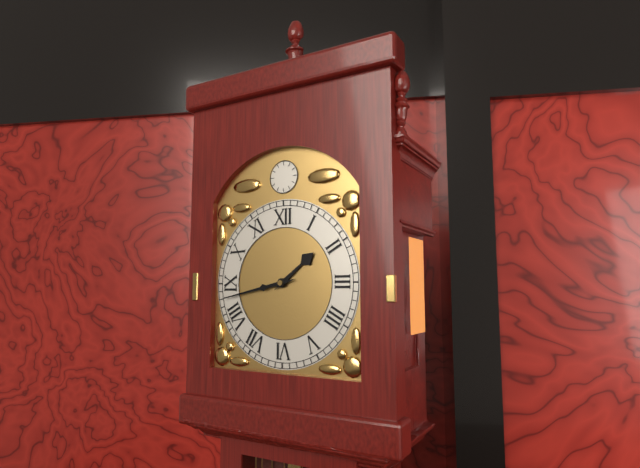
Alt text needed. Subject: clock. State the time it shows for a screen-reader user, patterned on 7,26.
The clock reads 1,43
